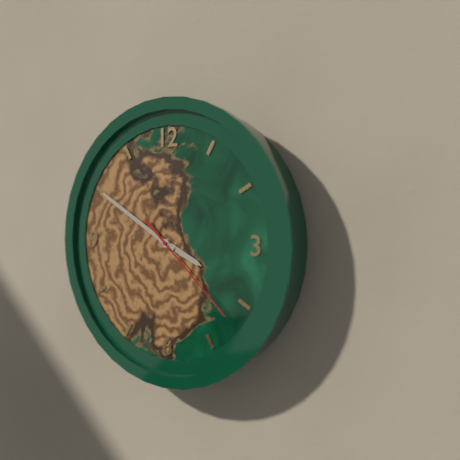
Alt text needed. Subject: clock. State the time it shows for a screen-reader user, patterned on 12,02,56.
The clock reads 3,50,22
